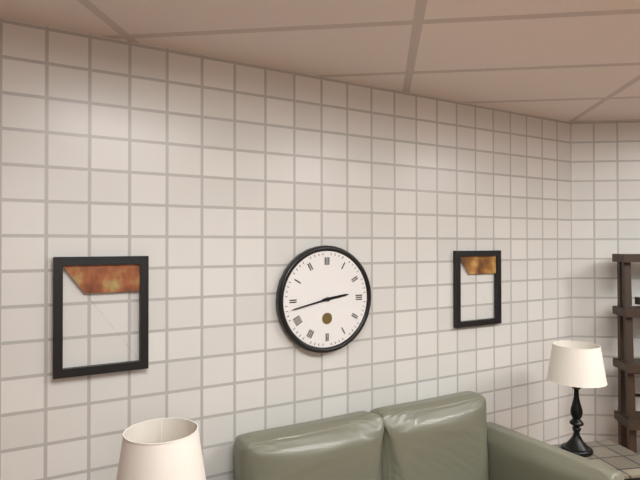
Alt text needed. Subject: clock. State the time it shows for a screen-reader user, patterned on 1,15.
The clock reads 2,43
